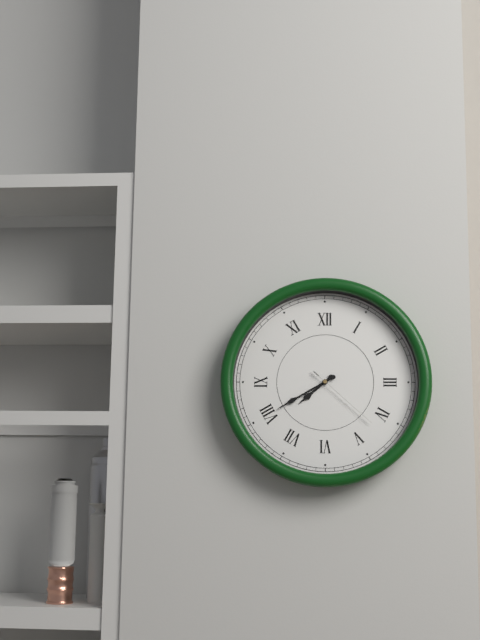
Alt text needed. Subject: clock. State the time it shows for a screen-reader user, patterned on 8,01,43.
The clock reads 7,40,22
